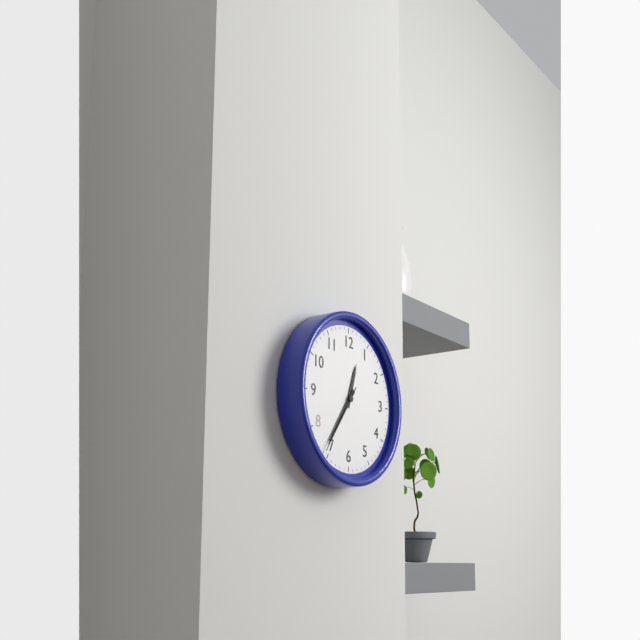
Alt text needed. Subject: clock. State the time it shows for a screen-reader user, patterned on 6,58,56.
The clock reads 12,36,36
